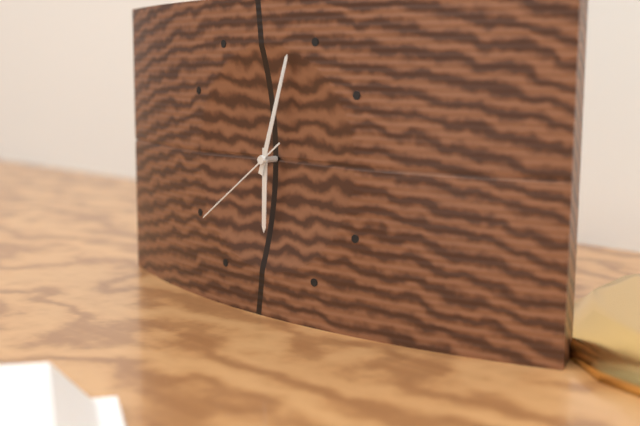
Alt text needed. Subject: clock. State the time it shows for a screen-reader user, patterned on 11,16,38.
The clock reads 6,03,39
